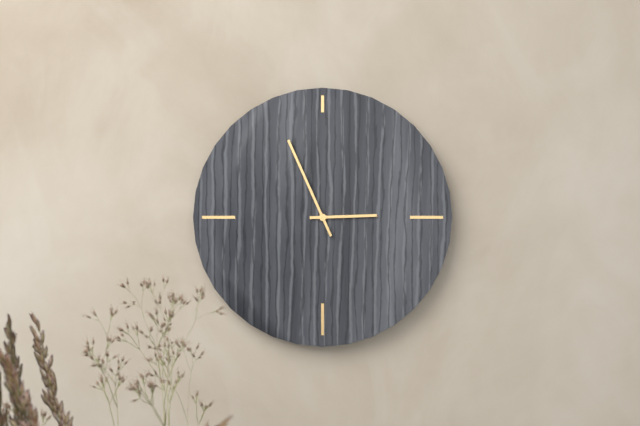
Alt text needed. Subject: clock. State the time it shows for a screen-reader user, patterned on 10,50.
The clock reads 2,56
